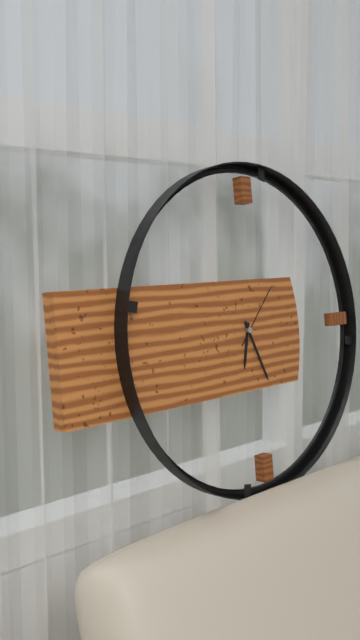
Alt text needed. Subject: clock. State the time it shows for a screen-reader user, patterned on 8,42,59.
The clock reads 6,26,07
